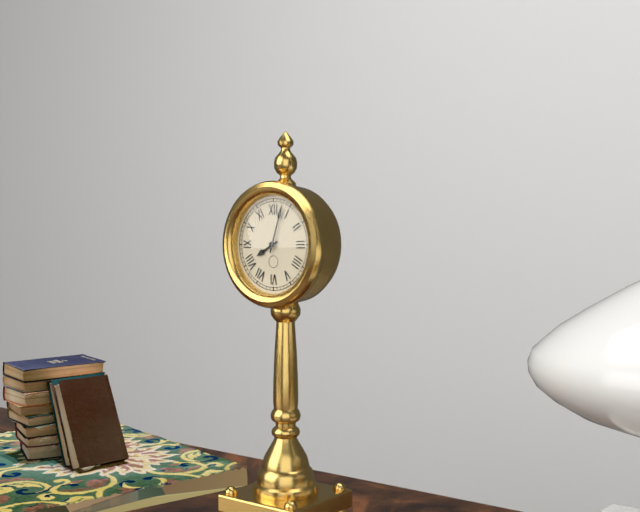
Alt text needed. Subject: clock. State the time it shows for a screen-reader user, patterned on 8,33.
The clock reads 8,03
